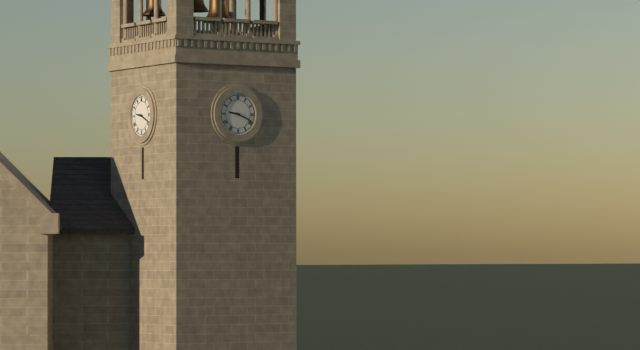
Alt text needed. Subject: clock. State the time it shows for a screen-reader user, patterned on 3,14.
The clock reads 9,19
